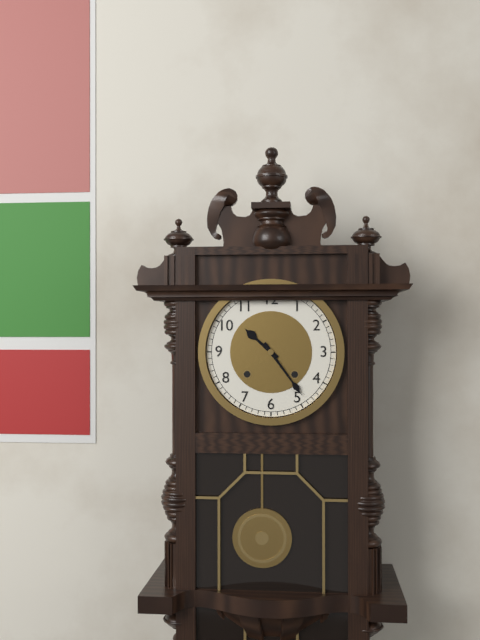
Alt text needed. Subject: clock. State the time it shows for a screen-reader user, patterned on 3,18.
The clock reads 10,24
